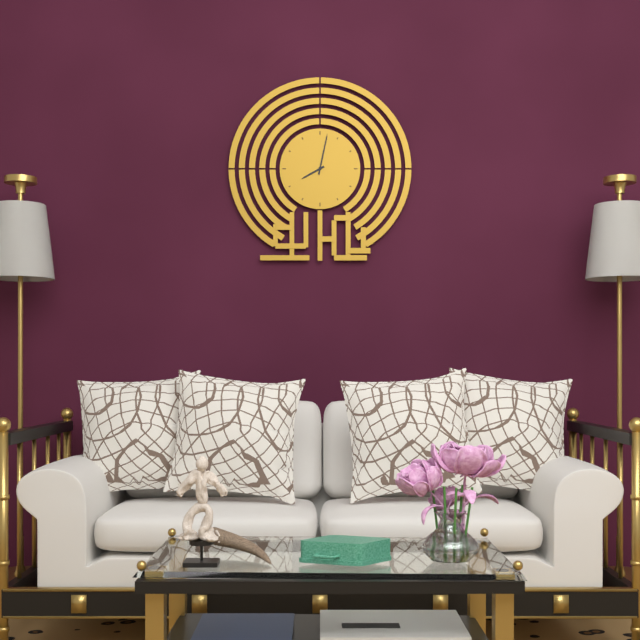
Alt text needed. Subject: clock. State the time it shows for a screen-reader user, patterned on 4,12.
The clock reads 8,02
